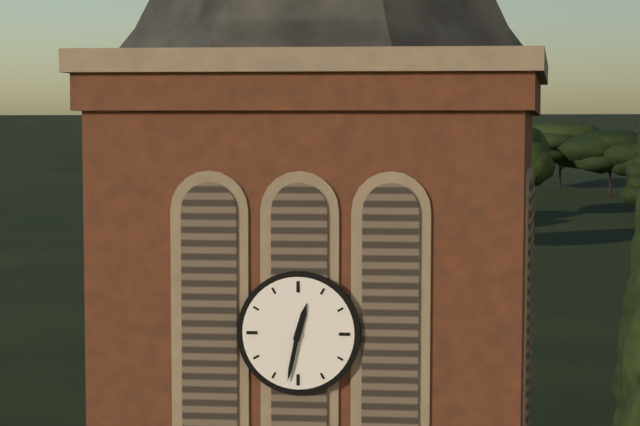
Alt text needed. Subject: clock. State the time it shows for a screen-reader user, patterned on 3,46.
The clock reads 12,32
